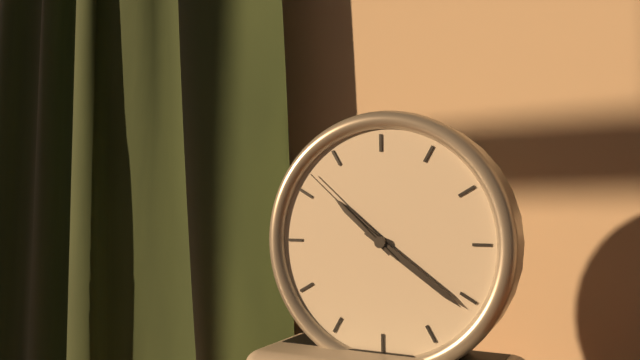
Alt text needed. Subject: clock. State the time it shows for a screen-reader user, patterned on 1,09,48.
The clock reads 10,21,52
